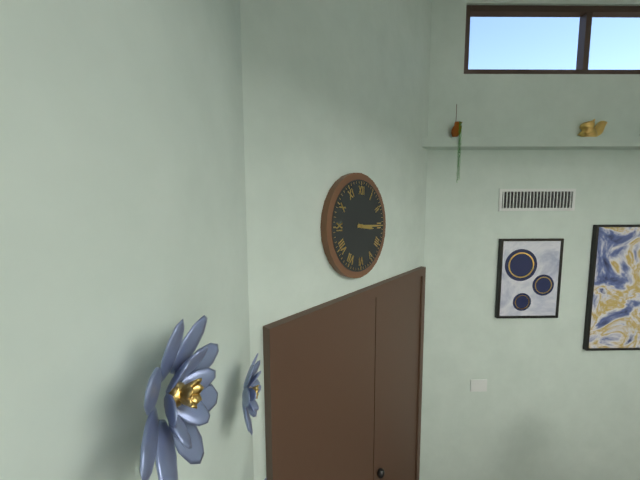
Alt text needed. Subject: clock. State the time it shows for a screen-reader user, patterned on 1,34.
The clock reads 3,15
